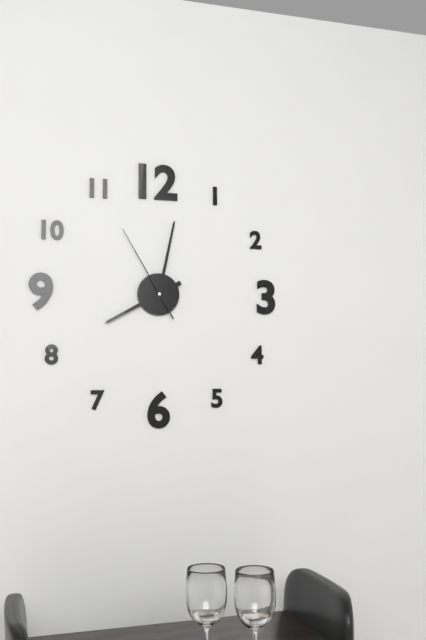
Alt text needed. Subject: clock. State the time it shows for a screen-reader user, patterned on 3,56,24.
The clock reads 8,02,55
